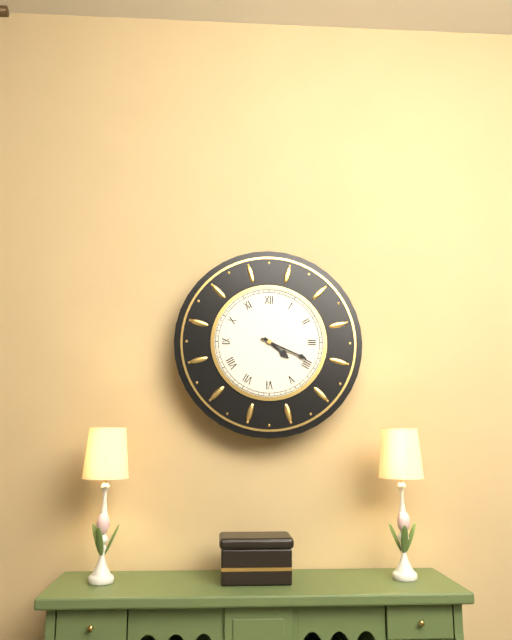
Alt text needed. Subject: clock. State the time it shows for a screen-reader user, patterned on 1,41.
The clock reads 4,19
